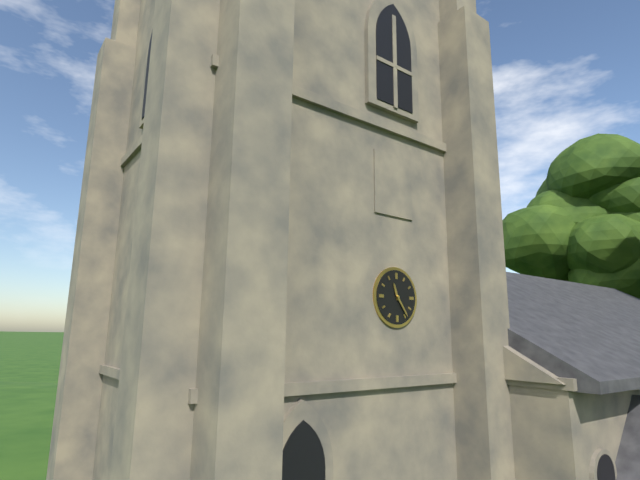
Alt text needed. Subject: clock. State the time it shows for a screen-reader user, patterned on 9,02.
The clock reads 11,24
